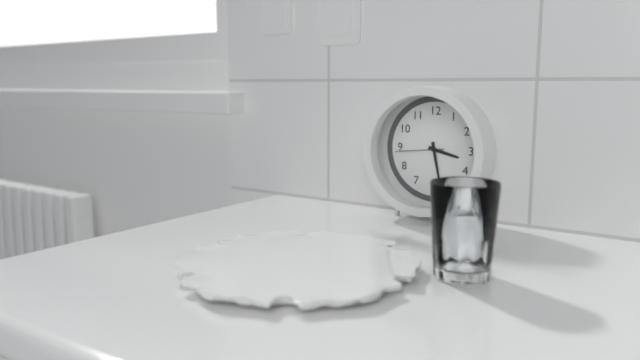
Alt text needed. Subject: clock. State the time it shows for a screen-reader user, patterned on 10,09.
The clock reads 3,28
